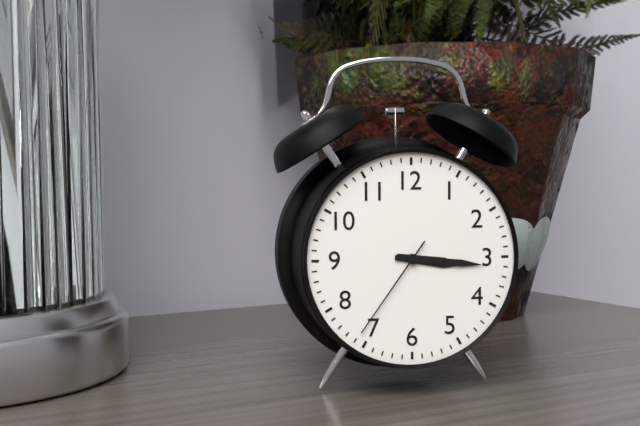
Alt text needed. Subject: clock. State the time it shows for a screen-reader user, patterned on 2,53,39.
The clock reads 3,16,36
